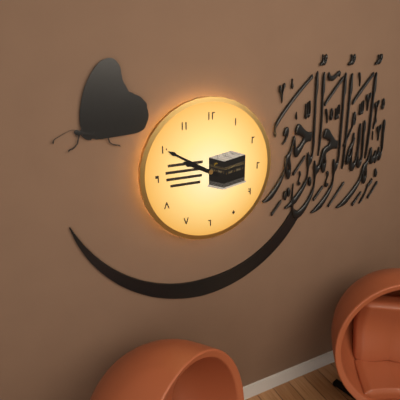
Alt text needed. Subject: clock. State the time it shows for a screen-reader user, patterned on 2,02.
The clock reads 9,50
